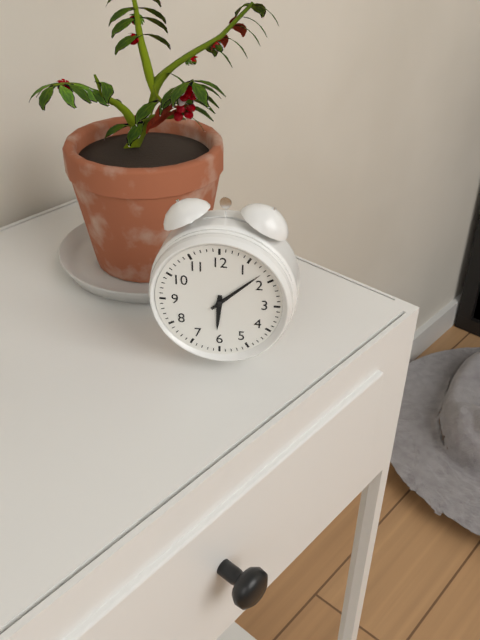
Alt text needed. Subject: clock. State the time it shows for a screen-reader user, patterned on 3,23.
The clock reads 6,08
